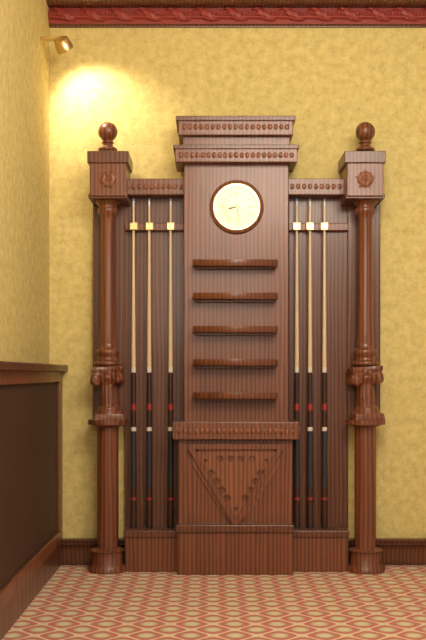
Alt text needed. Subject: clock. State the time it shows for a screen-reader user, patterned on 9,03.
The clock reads 8,28
